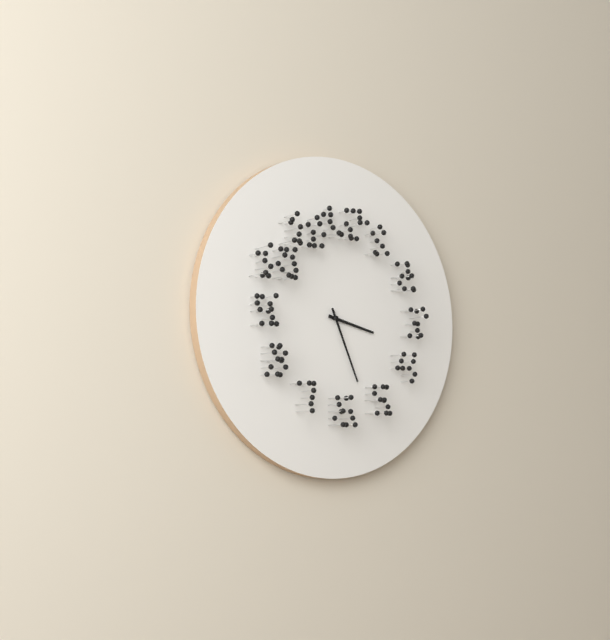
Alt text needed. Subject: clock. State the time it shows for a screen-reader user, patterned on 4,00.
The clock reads 3,26
